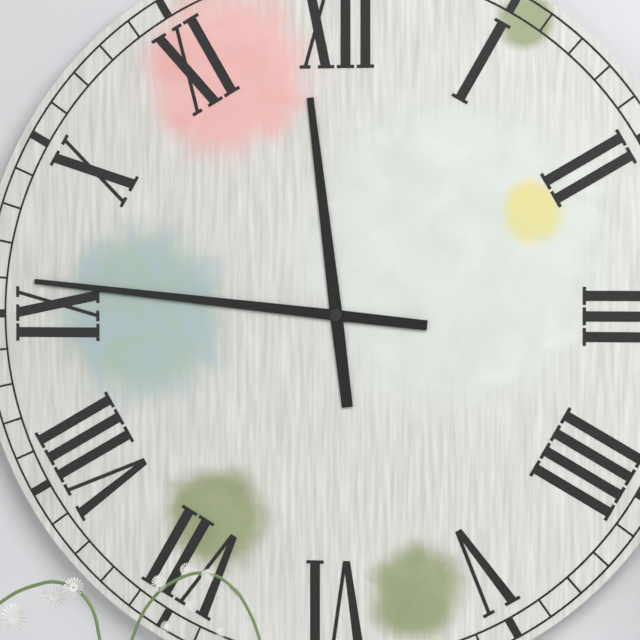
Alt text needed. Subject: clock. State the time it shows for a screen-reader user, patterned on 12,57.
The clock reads 11,46
